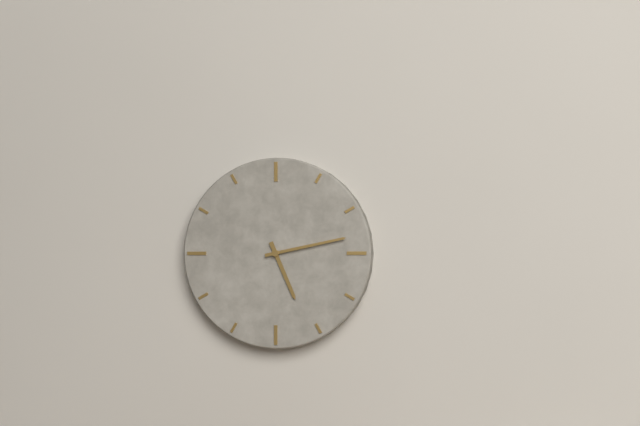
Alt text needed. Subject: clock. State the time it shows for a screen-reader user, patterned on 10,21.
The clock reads 5,13
